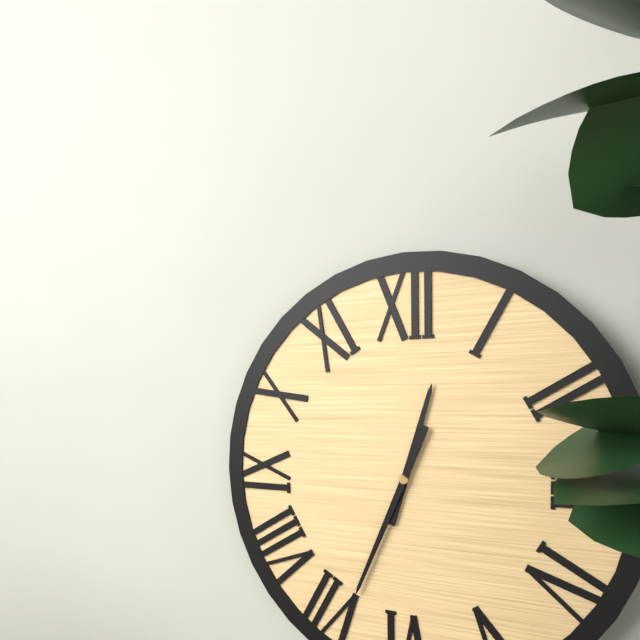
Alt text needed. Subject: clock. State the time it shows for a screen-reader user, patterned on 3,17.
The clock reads 12,34
